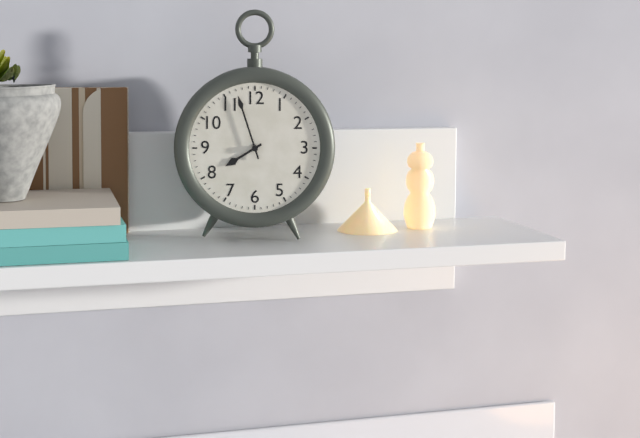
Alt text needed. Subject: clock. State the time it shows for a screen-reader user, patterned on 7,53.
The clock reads 7,57
